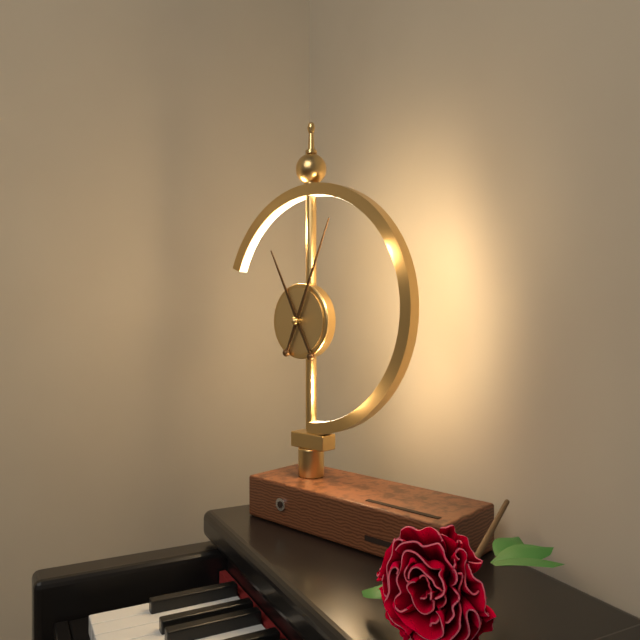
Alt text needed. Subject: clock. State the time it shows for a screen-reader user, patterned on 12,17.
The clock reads 11,04
